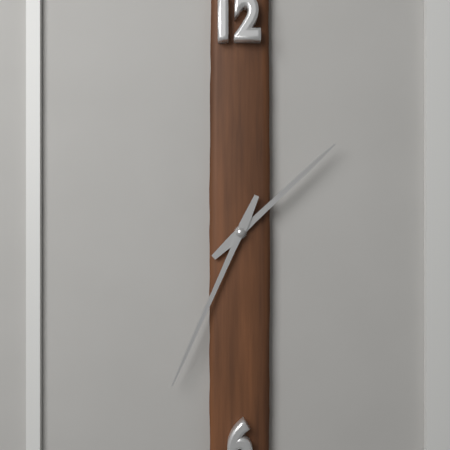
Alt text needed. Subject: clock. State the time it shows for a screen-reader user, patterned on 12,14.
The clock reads 1,34
